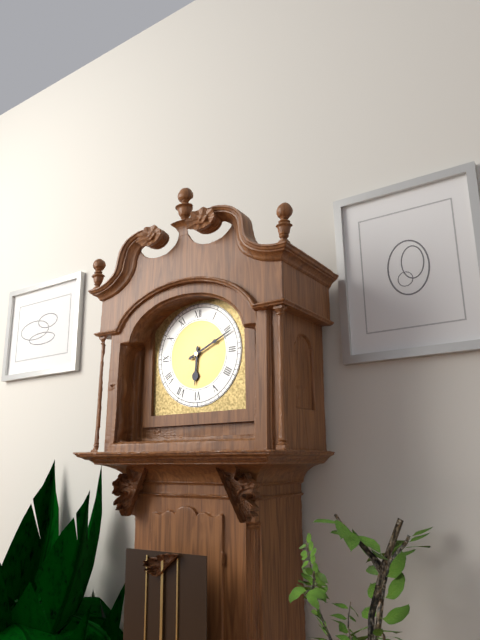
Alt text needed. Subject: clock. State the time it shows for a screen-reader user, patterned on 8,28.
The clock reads 6,11
